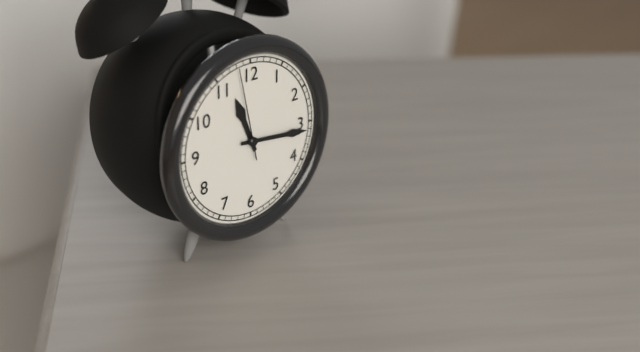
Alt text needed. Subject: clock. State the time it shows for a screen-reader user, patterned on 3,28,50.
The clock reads 11,16,58
